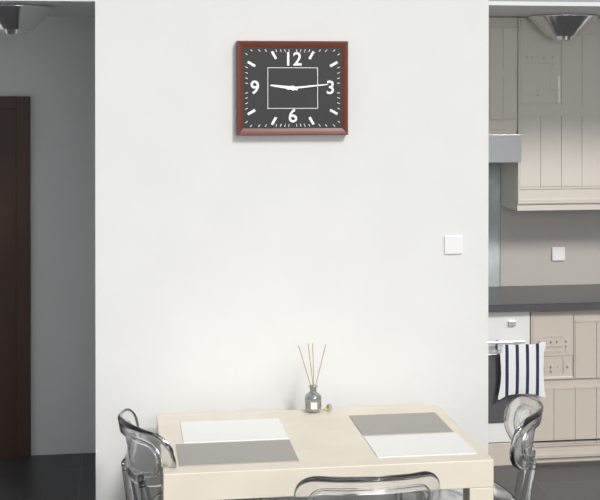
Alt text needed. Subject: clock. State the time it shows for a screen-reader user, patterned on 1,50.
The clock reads 9,14
